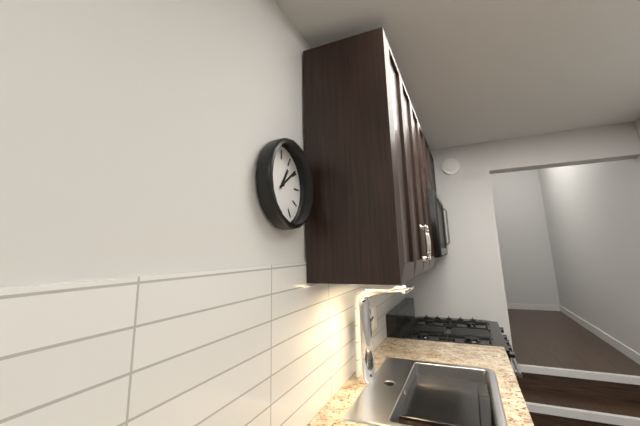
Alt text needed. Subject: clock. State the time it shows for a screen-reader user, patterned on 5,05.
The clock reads 1,09
